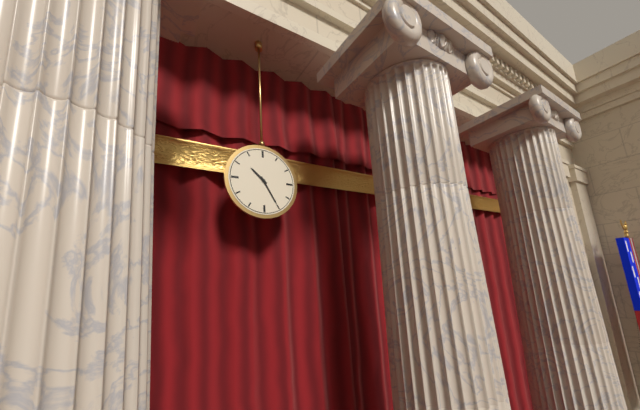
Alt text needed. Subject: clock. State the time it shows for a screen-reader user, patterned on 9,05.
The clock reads 10,25
